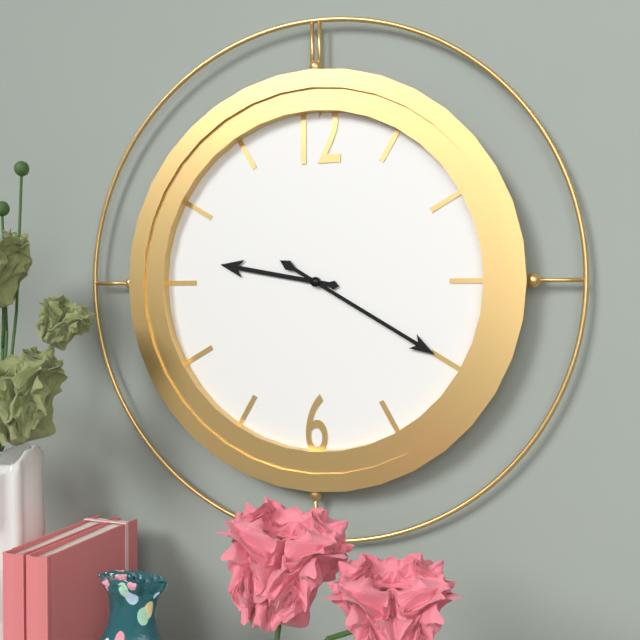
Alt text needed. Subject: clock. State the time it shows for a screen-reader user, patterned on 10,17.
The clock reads 9,20
